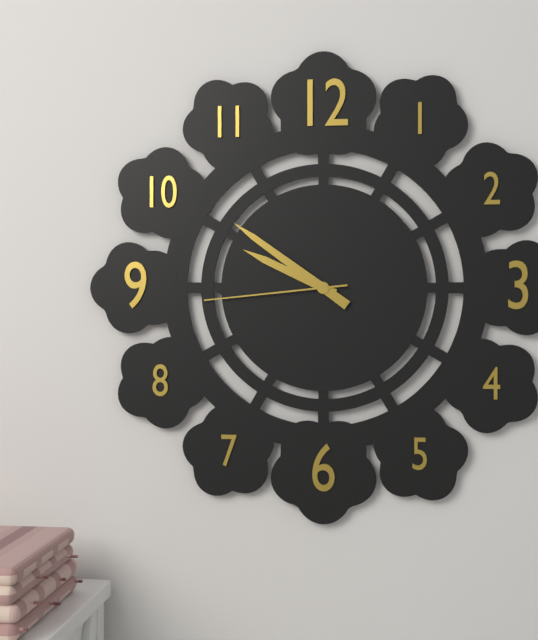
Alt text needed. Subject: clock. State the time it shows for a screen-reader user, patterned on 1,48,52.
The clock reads 9,51,44
